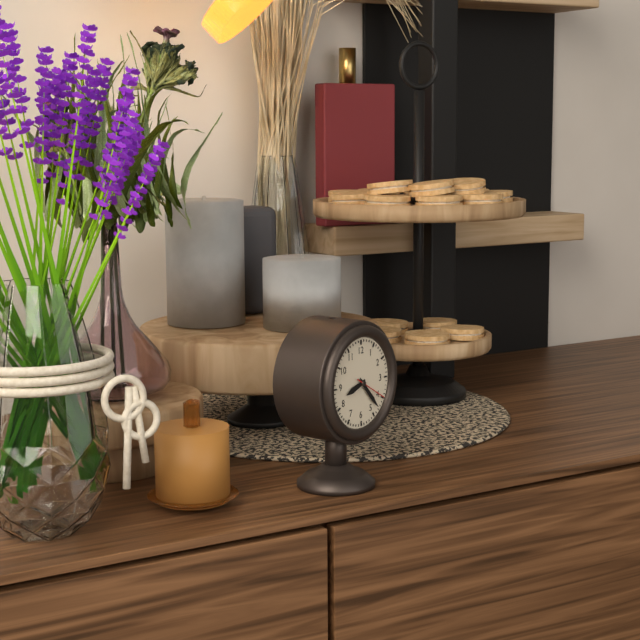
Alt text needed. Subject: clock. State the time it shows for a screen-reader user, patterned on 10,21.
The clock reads 8,23
